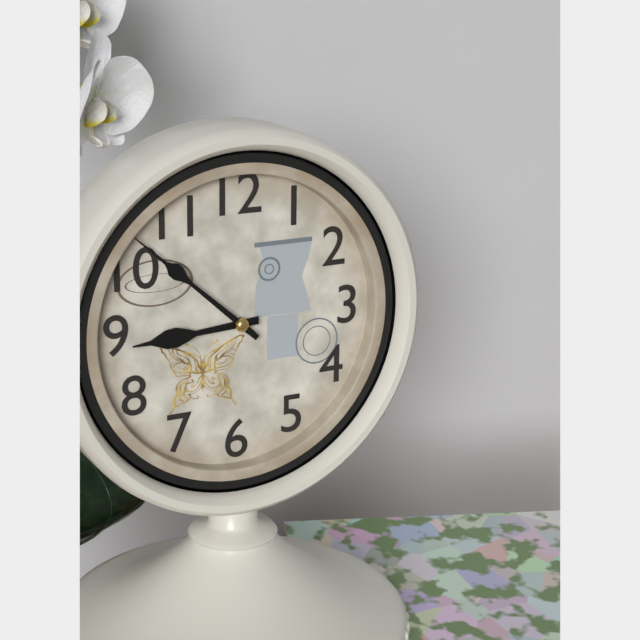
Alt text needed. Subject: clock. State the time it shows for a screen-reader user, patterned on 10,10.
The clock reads 8,52
